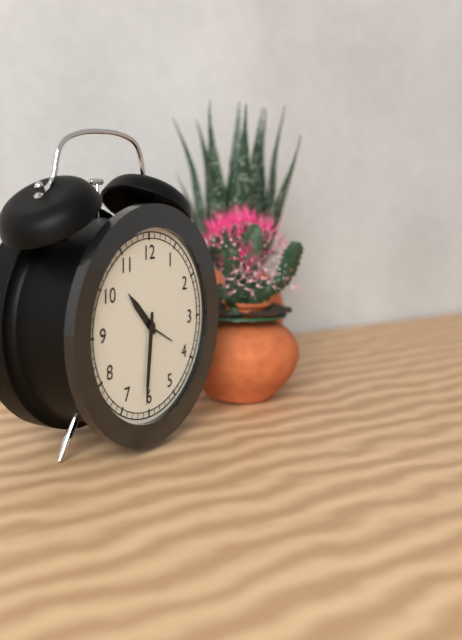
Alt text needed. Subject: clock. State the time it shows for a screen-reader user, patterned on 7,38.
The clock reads 10,31
